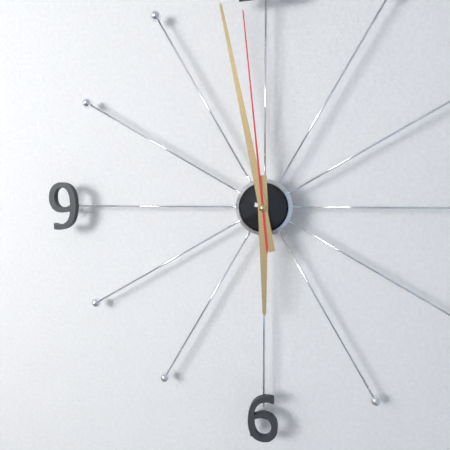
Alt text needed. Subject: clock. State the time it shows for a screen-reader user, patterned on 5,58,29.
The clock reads 5,58,59
